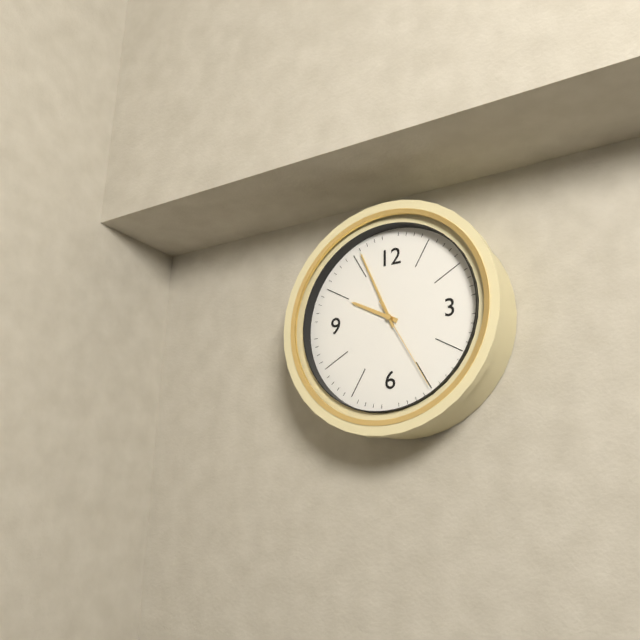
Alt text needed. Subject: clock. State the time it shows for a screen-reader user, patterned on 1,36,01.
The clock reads 9,56,25
